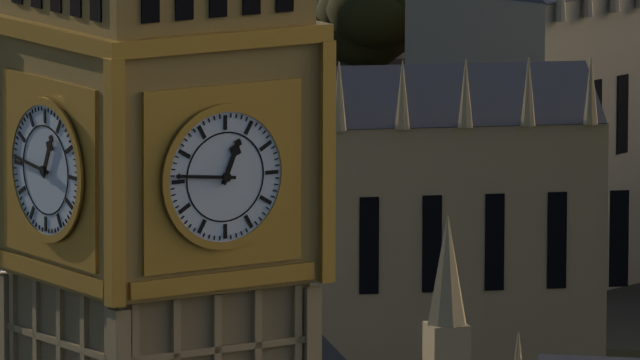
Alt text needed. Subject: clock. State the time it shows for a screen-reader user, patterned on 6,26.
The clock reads 12,46
